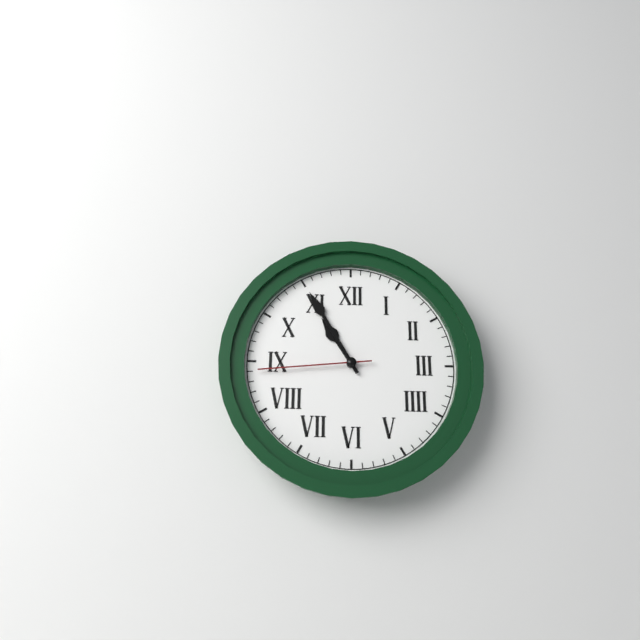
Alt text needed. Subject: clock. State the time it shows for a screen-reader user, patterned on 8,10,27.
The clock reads 10,55,44
